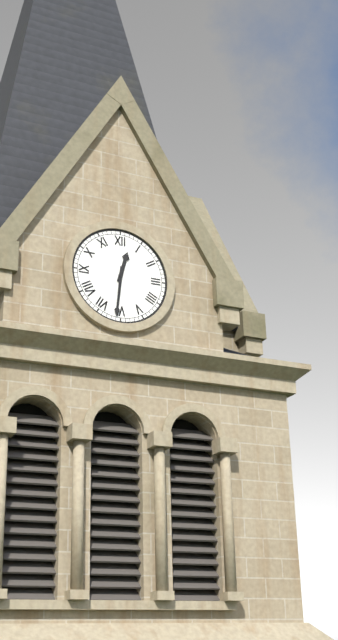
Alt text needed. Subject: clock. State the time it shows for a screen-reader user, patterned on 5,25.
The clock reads 12,31
